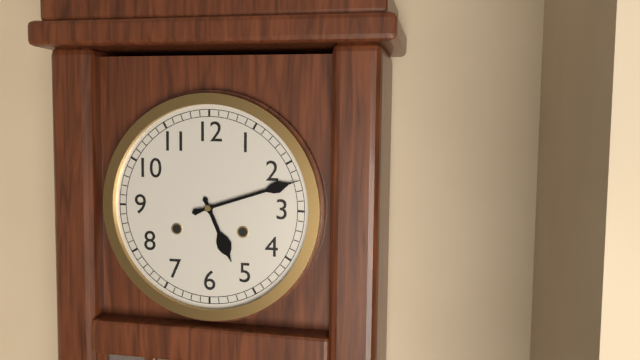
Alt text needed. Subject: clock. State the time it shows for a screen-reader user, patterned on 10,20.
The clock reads 5,12
